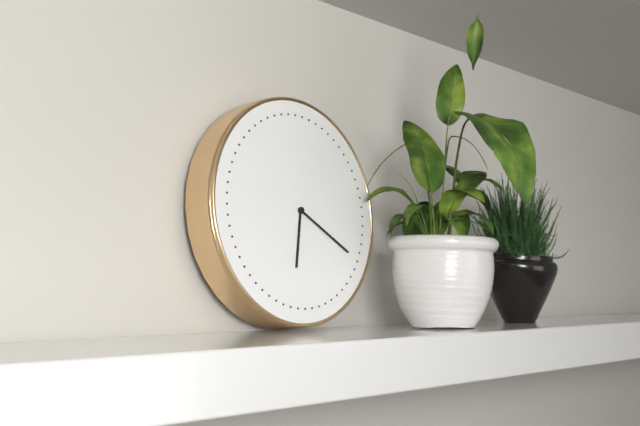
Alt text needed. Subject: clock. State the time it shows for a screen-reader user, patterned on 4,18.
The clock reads 6,20
